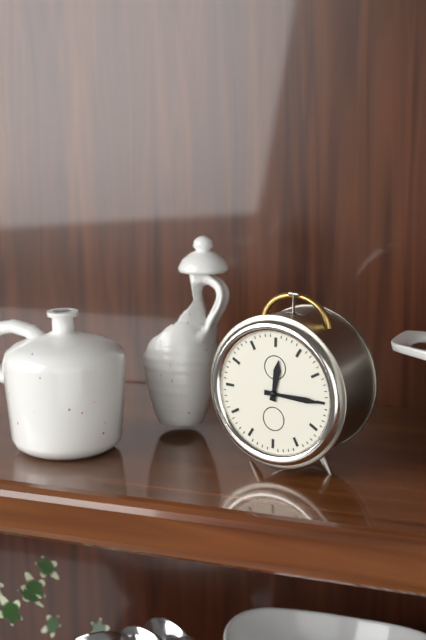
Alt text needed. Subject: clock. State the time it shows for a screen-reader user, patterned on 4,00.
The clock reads 12,15
